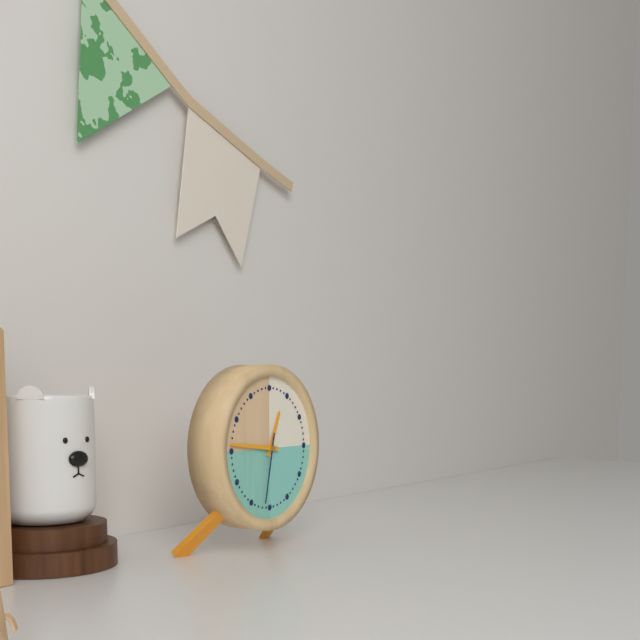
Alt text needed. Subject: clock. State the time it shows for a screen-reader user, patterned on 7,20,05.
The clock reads 12,46,32
